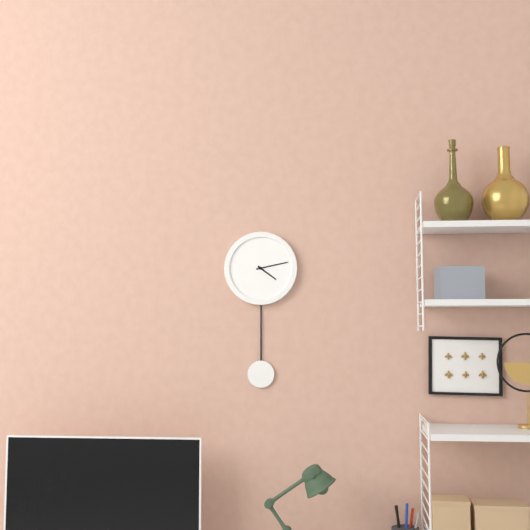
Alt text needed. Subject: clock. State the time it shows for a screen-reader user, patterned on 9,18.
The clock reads 4,13
